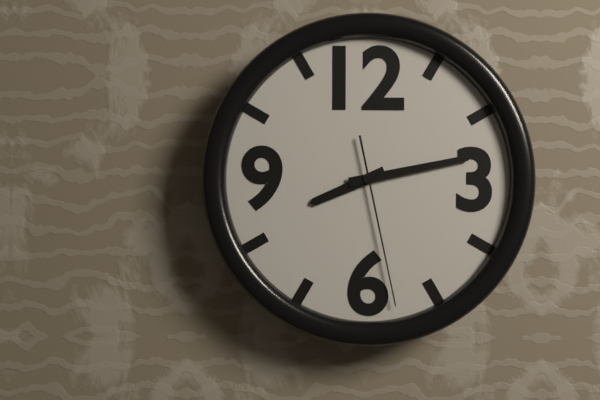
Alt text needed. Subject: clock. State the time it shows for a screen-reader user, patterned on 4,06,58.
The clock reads 8,13,28
